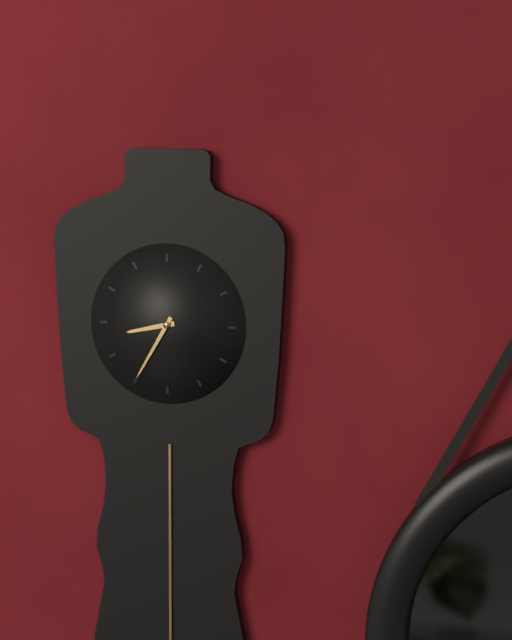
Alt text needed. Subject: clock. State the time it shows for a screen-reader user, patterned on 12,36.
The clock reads 8,35
